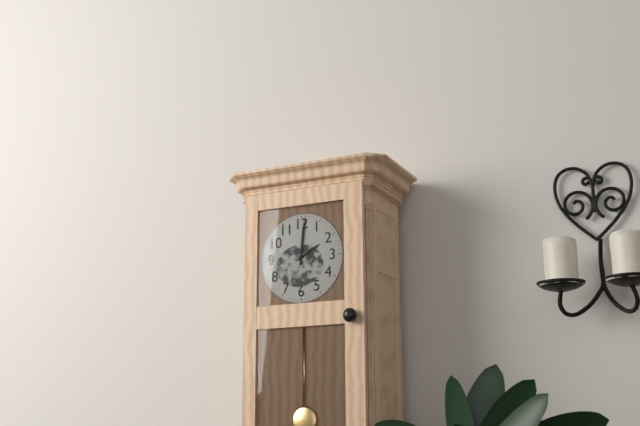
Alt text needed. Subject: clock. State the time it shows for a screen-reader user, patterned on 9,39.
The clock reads 2,01
